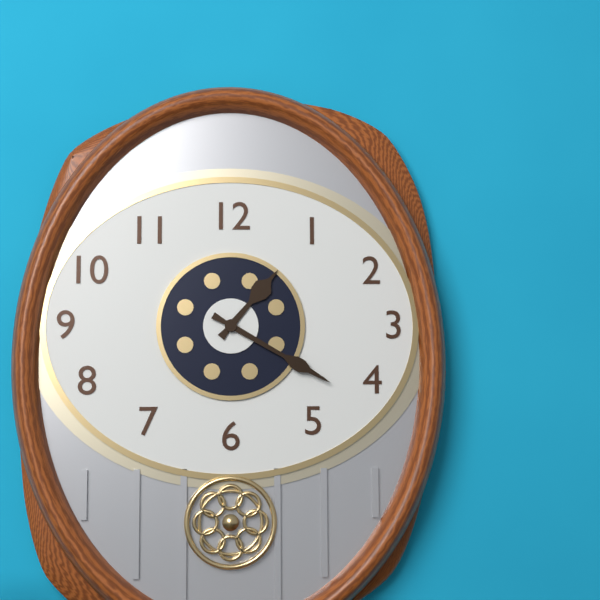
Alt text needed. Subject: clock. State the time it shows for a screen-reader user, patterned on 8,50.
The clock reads 1,20
